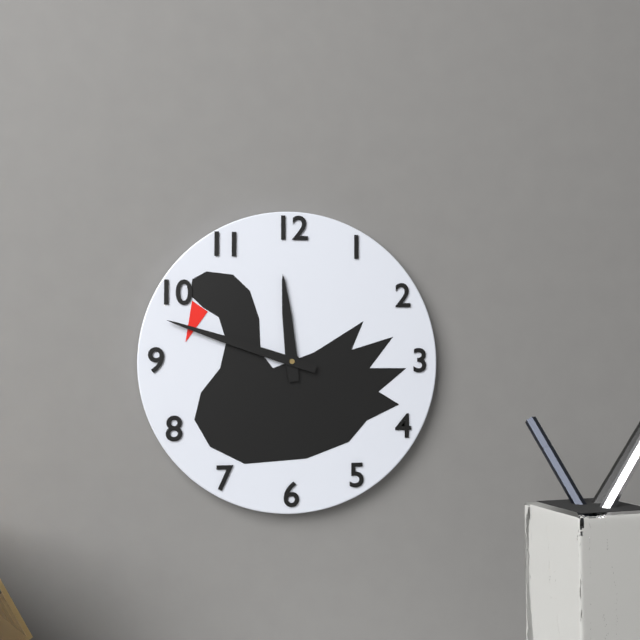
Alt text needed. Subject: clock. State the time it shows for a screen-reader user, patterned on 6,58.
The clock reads 11,48
